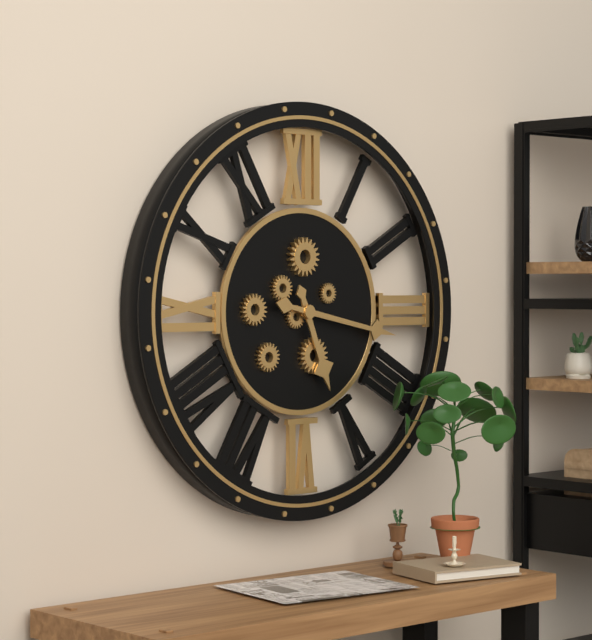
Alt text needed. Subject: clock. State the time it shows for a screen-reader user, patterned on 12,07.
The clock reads 5,17
